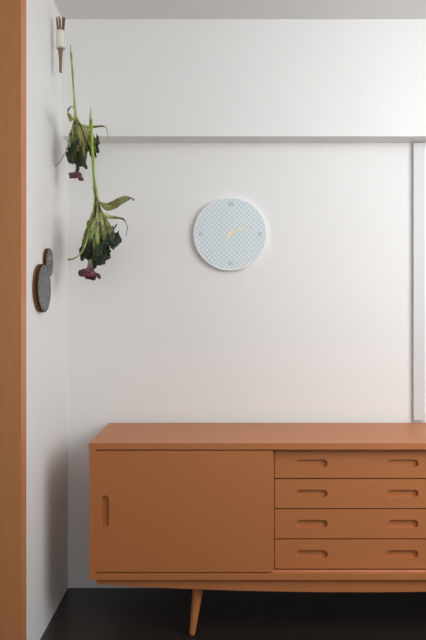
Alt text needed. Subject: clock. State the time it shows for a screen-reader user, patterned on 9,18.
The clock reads 7,11
